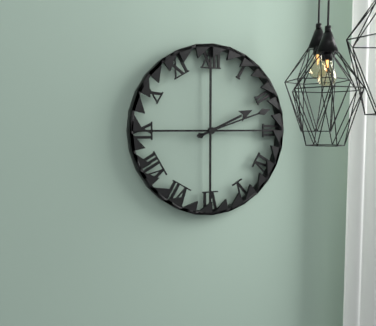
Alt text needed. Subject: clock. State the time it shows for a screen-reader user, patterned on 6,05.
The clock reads 2,12
